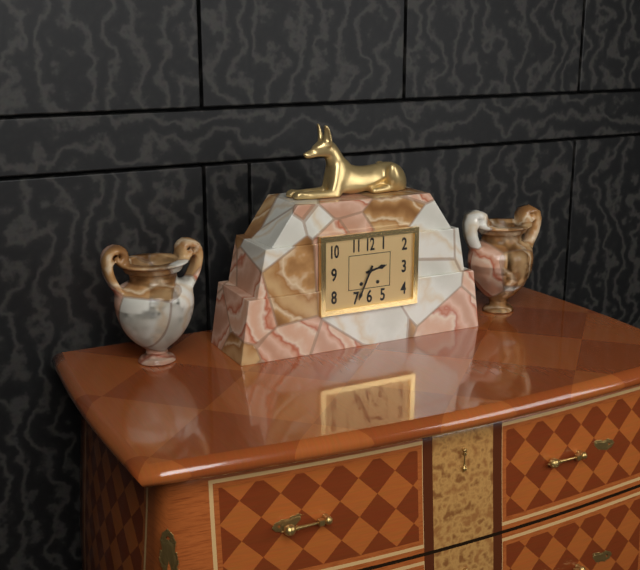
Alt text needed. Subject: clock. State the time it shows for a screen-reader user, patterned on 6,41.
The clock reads 2,34
